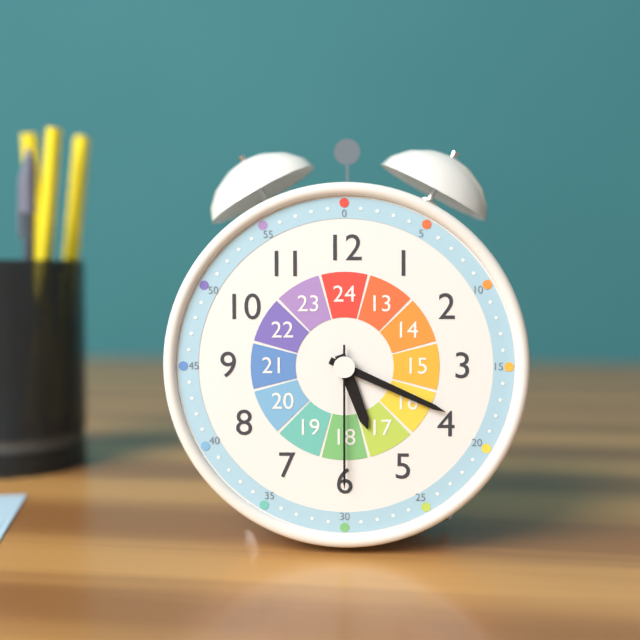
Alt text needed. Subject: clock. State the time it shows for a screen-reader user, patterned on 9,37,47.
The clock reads 5,19,30
